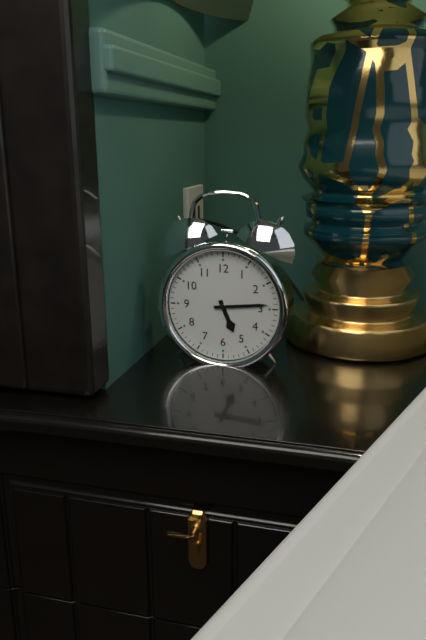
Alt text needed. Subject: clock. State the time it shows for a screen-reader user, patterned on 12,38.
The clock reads 5,14
